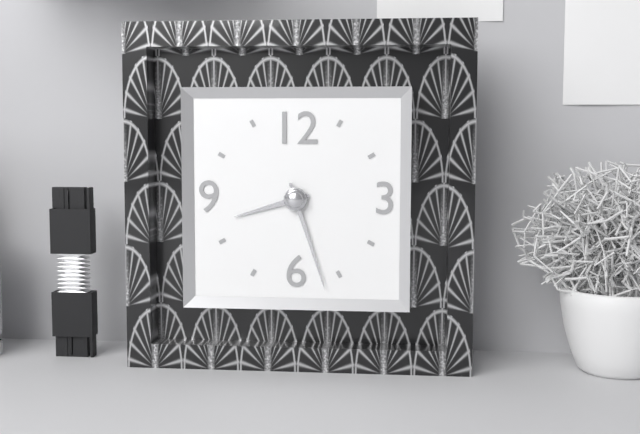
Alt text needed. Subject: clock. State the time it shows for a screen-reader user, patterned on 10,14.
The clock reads 8,27
